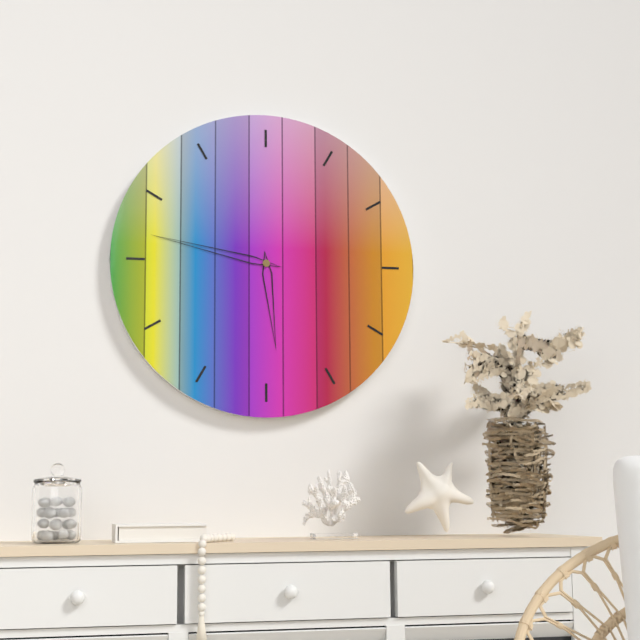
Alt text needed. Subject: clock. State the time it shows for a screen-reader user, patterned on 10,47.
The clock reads 5,47
